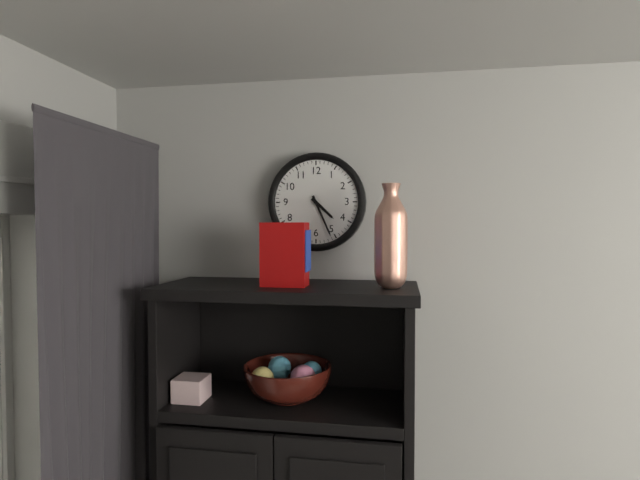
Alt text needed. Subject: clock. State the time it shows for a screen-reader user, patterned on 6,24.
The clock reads 4,26
